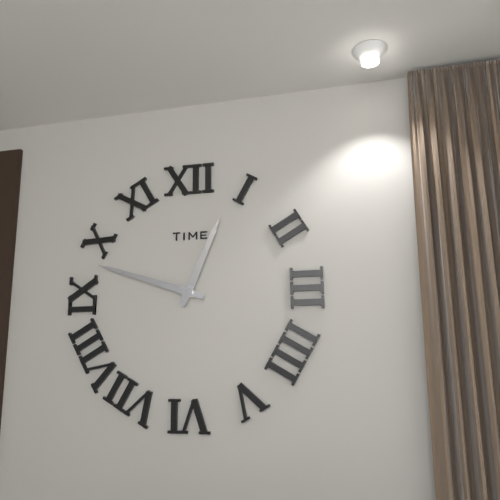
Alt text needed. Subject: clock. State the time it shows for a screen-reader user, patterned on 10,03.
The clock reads 12,48
